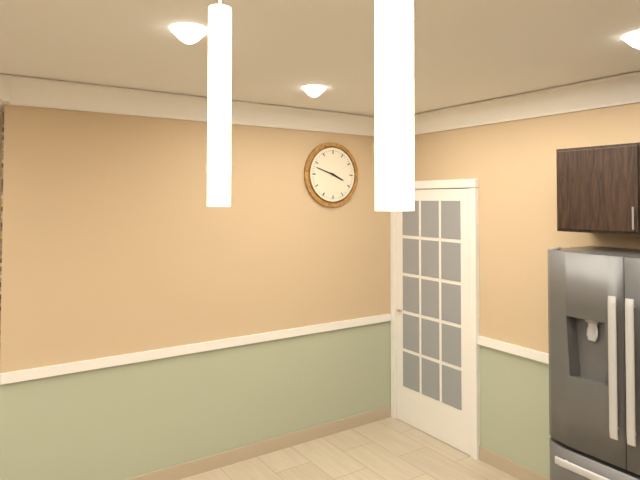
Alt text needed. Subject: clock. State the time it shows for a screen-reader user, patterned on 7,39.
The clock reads 3,48
